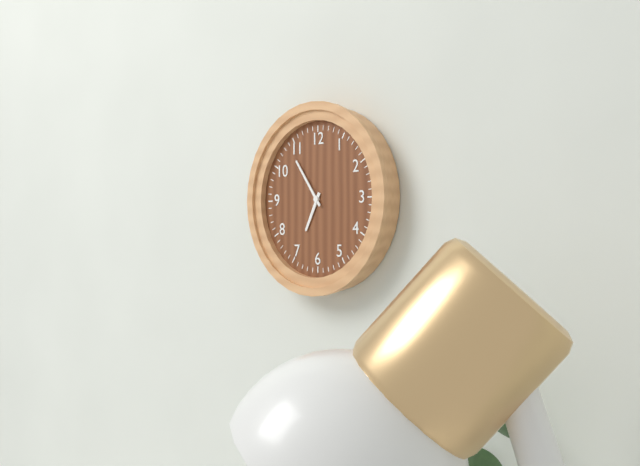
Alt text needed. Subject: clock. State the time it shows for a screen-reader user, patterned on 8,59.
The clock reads 6,54
